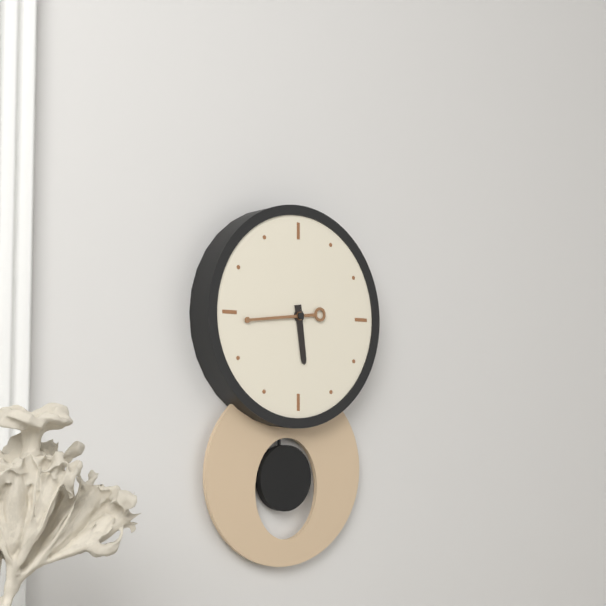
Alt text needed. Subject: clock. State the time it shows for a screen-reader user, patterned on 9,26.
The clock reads 5,44
